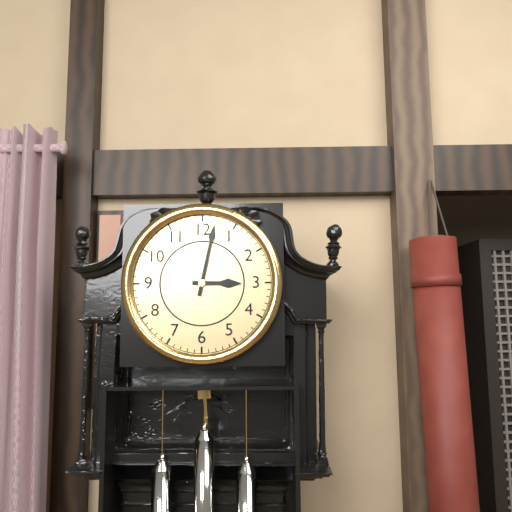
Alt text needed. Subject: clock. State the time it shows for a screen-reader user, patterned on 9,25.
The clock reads 3,02
